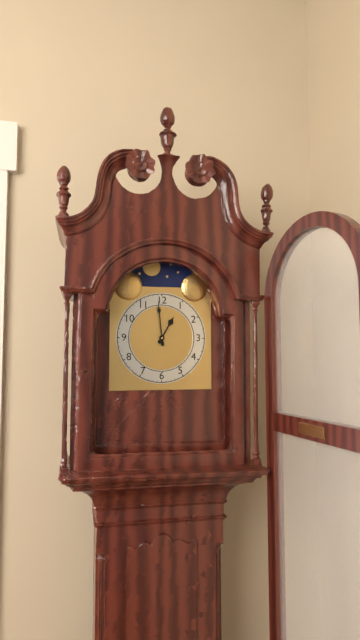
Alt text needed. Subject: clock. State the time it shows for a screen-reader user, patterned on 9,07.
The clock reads 12,59
